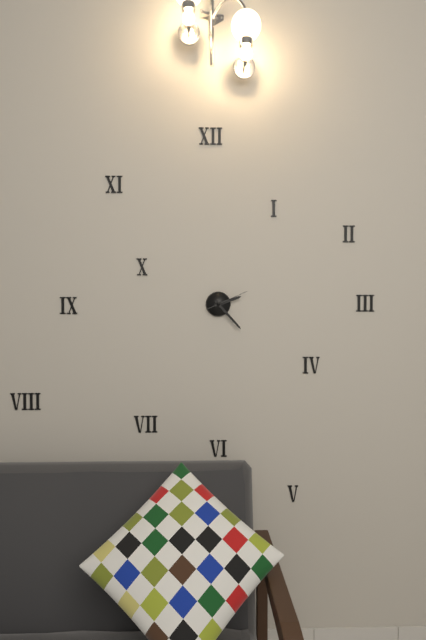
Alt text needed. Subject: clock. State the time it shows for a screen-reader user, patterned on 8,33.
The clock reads 2,23
